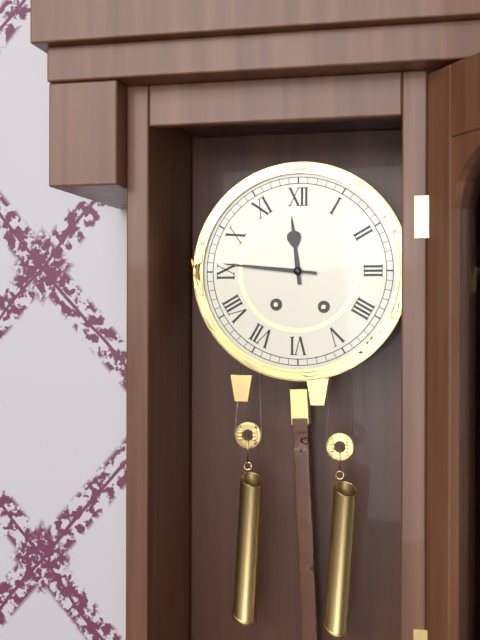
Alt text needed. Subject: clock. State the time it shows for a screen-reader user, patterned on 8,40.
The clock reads 11,46
